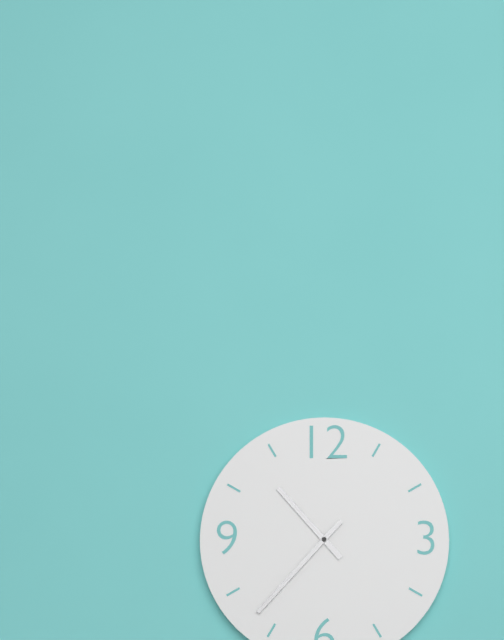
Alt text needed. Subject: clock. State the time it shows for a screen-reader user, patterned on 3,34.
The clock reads 10,37
